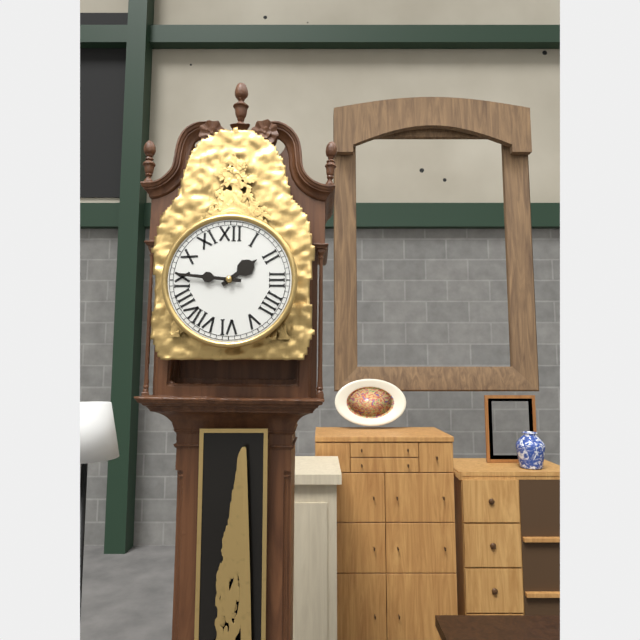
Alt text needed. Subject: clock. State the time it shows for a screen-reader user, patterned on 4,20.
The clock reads 1,46
